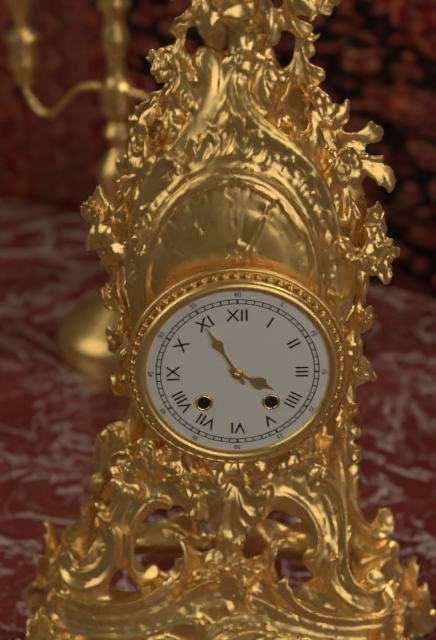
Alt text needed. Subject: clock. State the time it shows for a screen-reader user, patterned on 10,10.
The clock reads 3,55
